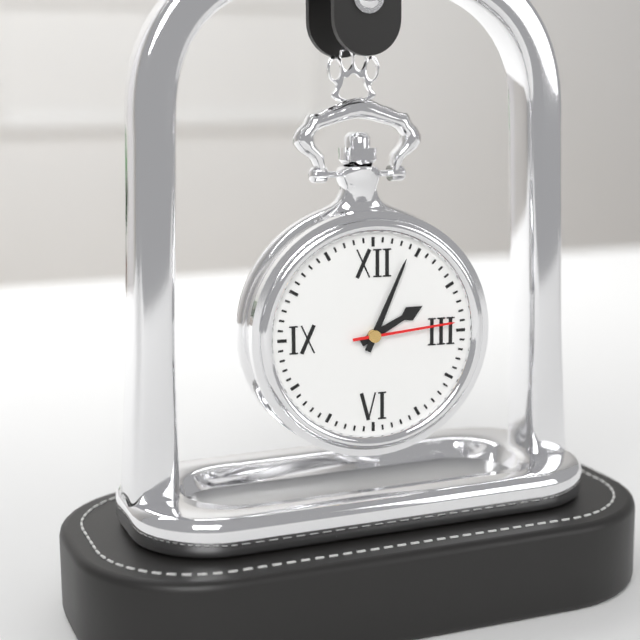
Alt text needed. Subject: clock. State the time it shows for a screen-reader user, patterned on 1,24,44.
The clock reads 2,04,14
